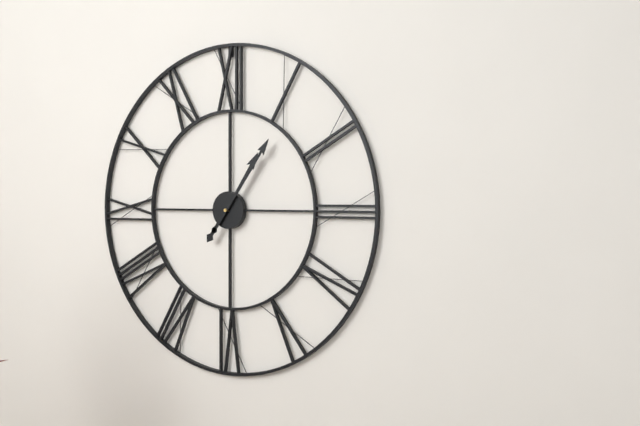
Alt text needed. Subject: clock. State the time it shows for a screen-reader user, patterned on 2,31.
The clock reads 1,06
